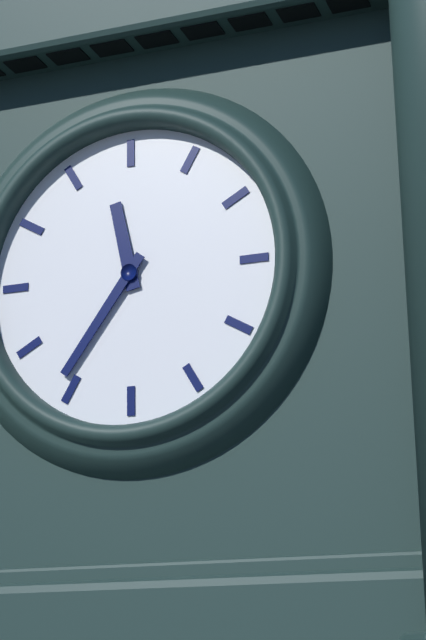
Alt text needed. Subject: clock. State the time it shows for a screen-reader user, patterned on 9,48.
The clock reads 11,36
